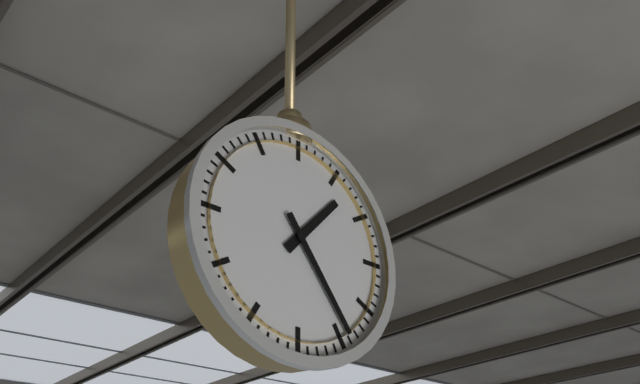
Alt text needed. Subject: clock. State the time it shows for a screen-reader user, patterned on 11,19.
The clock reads 1,24
